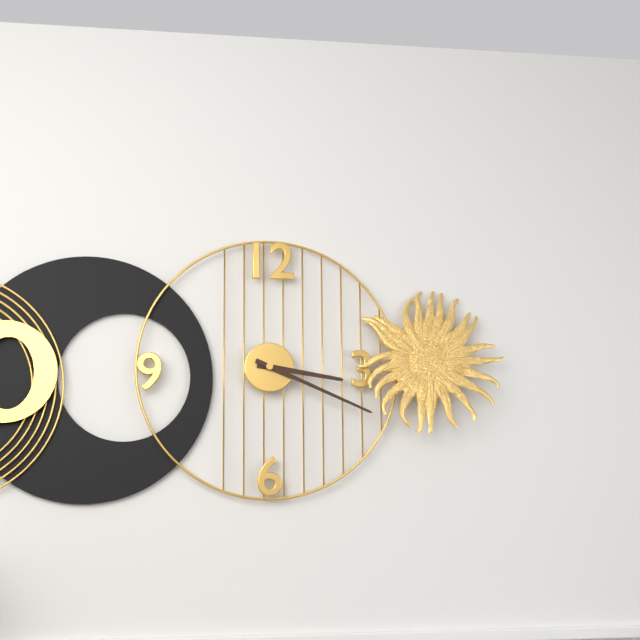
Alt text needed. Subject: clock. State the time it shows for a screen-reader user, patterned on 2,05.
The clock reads 3,19
